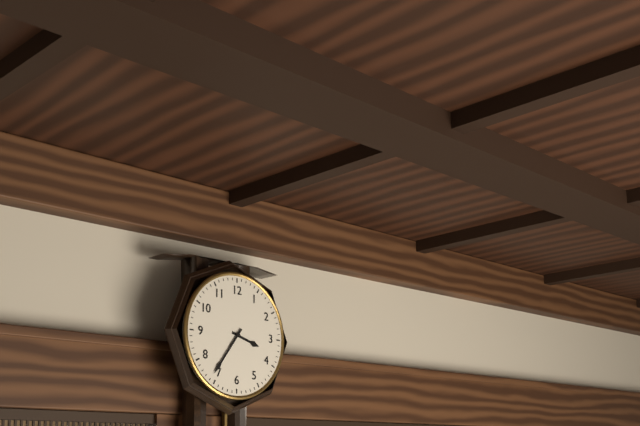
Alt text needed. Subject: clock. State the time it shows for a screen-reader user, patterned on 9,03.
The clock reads 3,36
